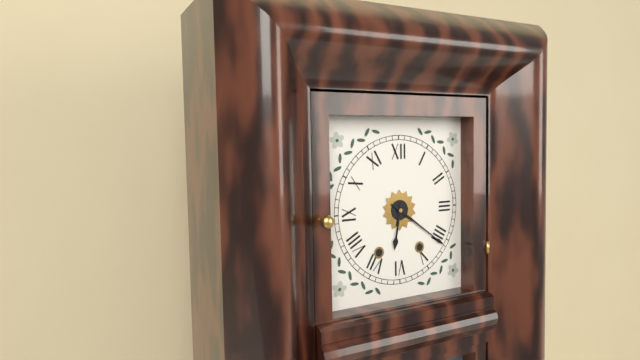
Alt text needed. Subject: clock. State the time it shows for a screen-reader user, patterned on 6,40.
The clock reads 6,21
